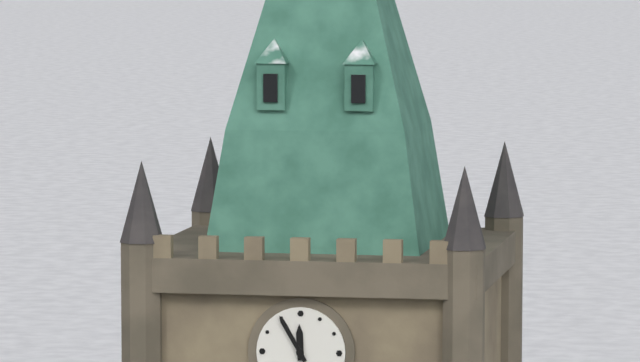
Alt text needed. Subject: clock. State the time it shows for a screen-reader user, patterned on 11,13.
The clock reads 11,55
